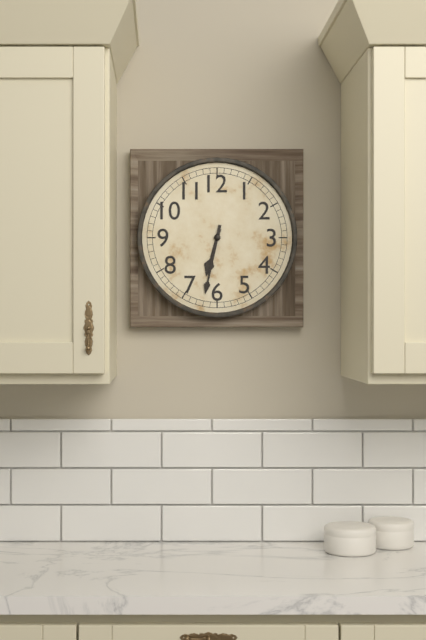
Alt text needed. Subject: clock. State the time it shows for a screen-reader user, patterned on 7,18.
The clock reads 6,32
